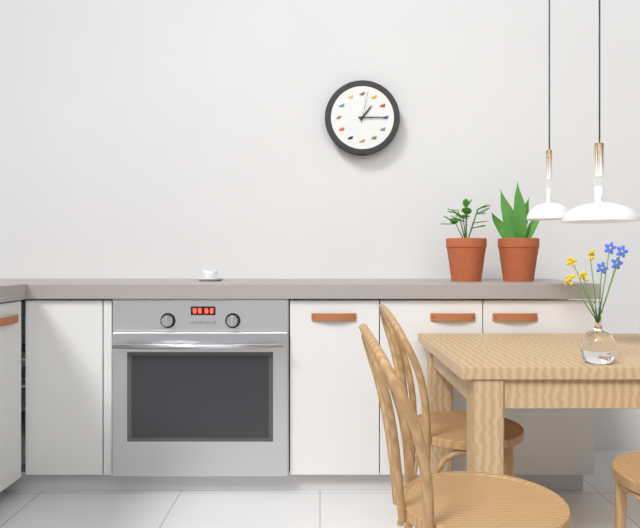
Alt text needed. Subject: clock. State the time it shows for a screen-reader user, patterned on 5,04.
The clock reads 1,15
